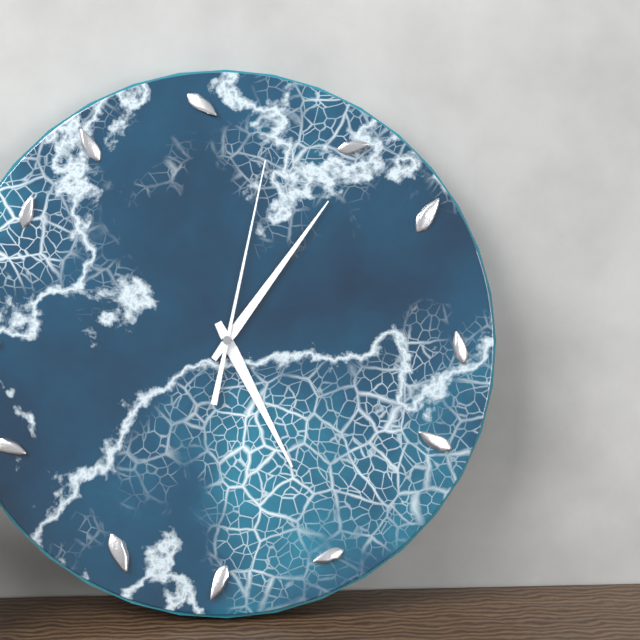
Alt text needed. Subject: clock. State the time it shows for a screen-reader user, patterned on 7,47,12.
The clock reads 5,06,02
